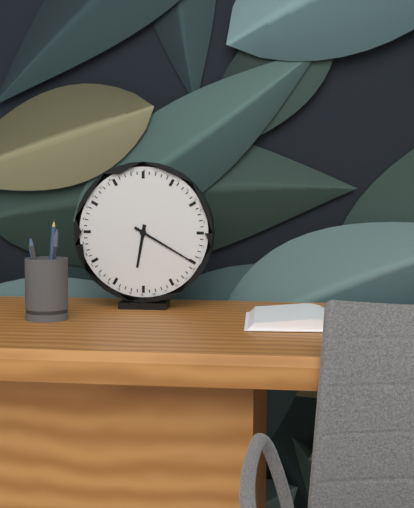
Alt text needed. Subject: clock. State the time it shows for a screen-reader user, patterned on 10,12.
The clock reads 6,20
